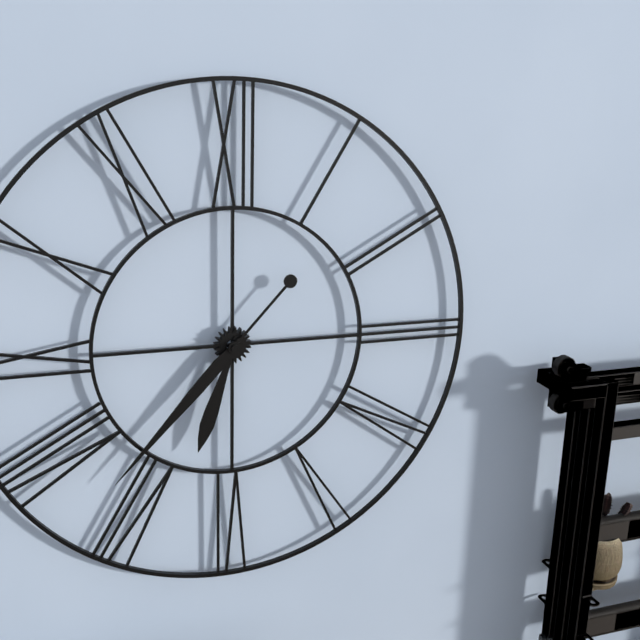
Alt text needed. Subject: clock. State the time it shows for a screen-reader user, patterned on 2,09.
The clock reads 6,37
